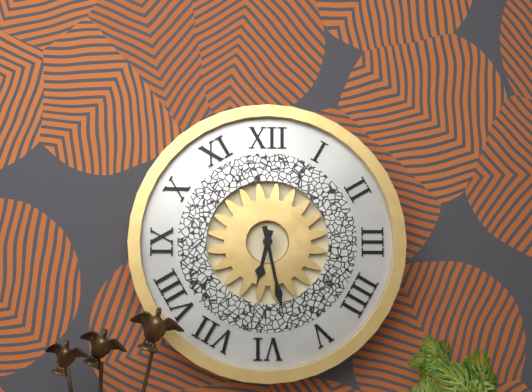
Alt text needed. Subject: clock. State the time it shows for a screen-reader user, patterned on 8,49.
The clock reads 6,28
